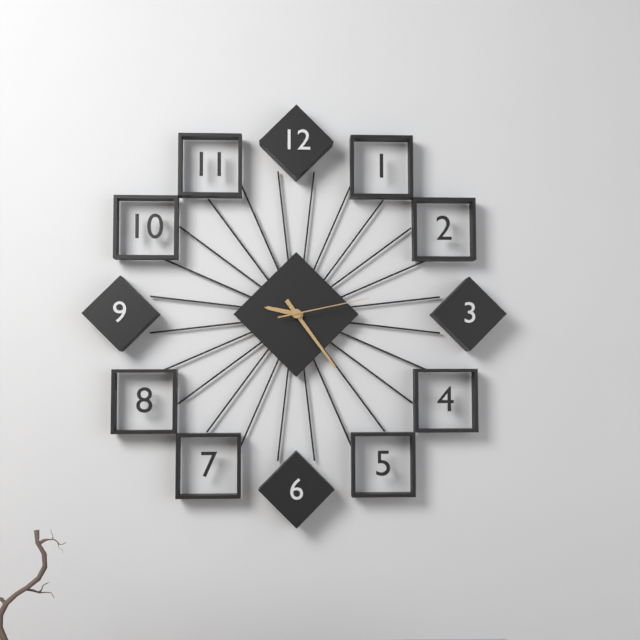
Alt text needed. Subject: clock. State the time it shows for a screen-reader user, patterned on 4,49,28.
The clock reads 9,24,13
